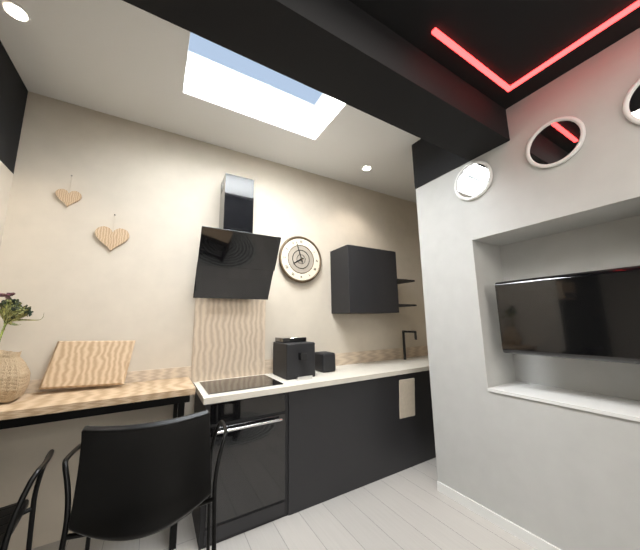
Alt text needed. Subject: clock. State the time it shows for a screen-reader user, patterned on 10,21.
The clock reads 7,57
